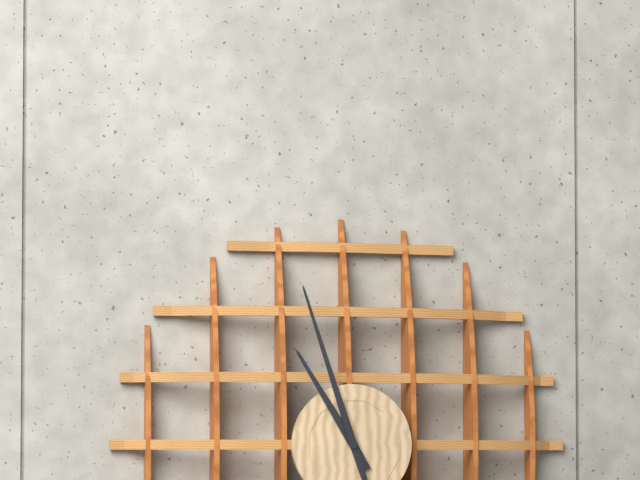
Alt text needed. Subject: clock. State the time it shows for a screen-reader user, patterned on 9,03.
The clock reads 10,57
